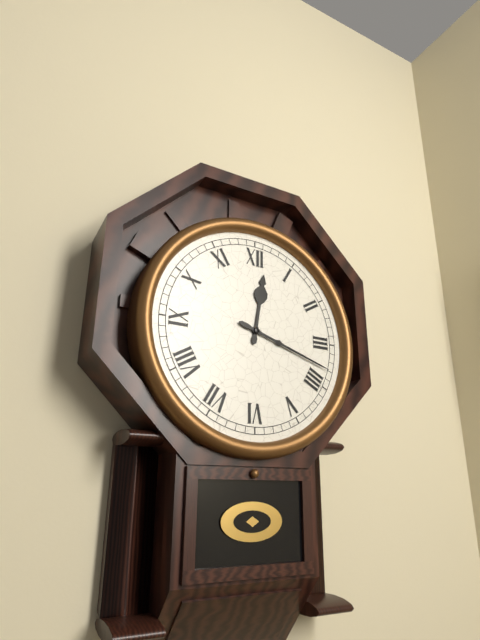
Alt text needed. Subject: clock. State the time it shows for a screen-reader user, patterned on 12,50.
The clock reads 12,18
